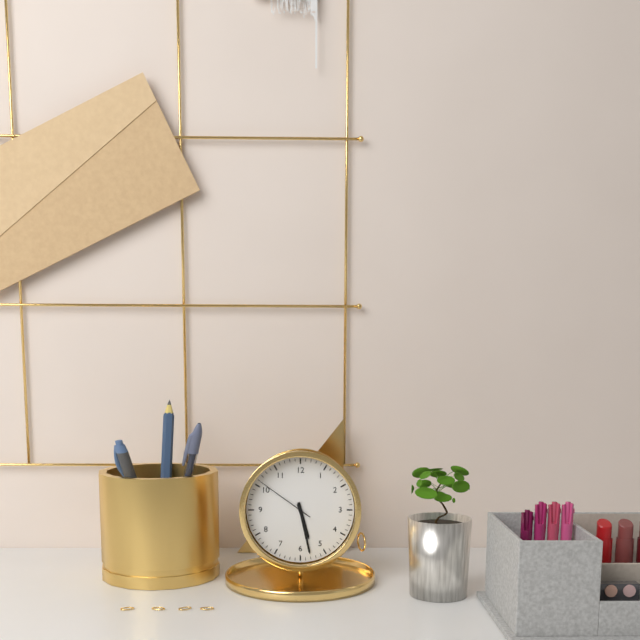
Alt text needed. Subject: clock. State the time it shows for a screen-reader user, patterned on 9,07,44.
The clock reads 5,28,51
